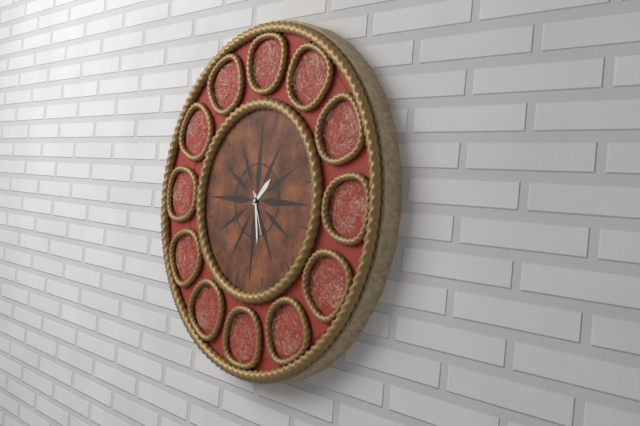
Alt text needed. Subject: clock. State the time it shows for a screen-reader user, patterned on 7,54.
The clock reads 1,28
